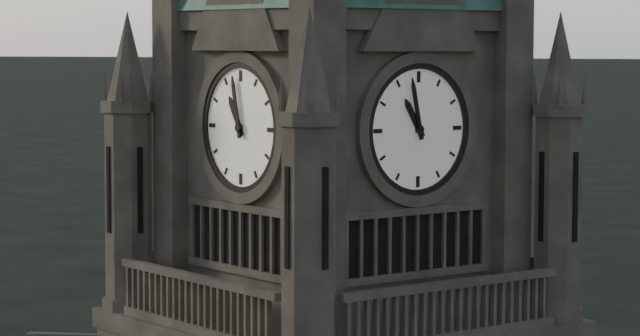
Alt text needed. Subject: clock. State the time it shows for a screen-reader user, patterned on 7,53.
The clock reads 10,58
